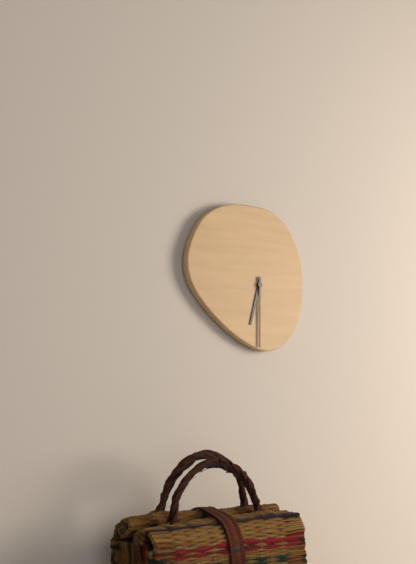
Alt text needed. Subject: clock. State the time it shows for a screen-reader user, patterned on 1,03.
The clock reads 6,30
